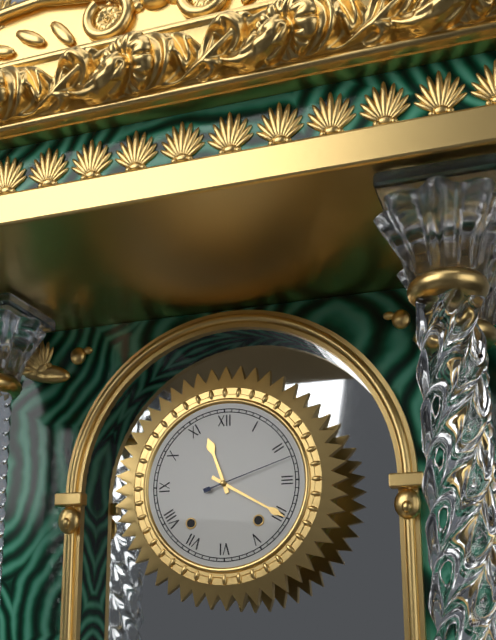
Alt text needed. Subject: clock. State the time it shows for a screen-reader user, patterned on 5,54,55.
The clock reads 11,20,12
